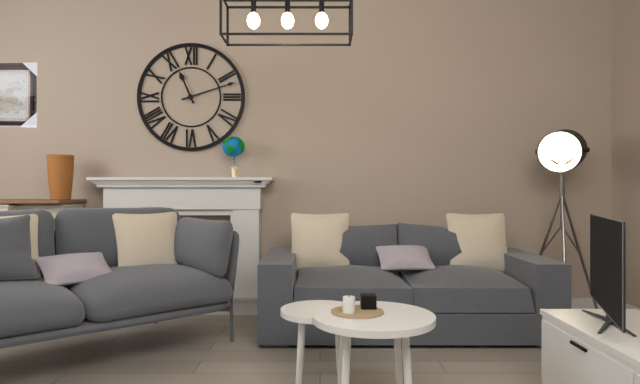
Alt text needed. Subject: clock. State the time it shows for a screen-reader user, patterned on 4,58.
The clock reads 11,12
